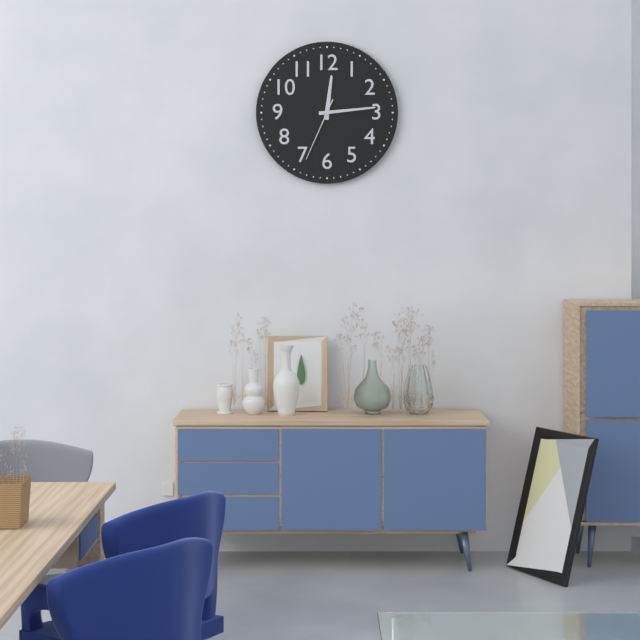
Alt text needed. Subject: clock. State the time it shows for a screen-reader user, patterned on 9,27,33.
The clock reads 12,14,34
